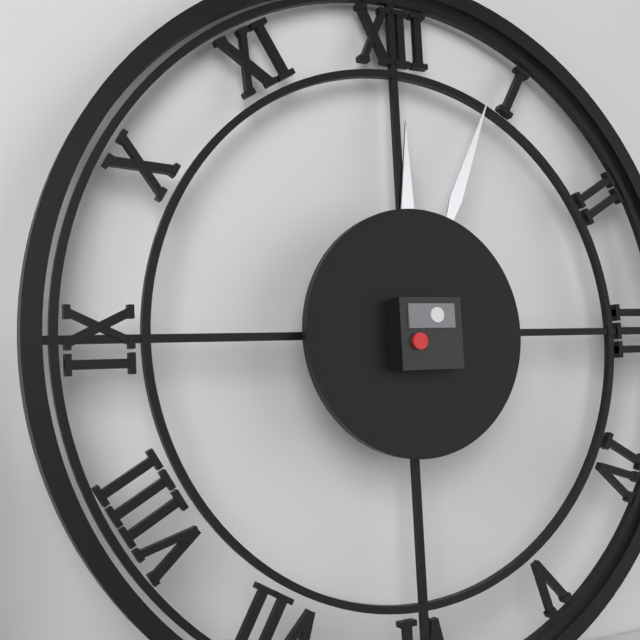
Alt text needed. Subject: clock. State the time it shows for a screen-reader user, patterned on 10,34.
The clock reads 12,04
